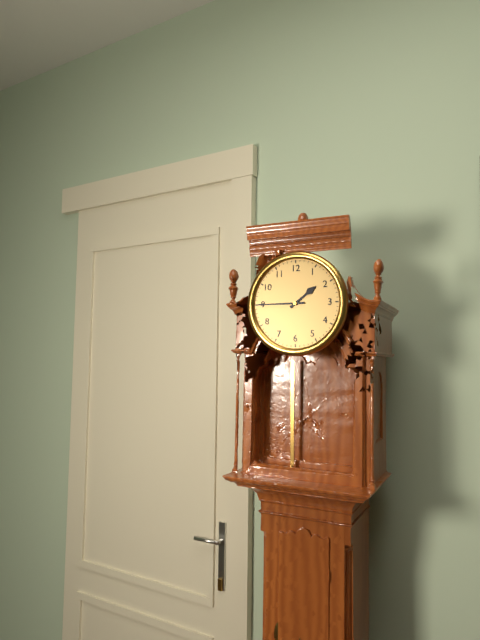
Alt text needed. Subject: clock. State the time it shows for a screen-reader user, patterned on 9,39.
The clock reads 1,45
